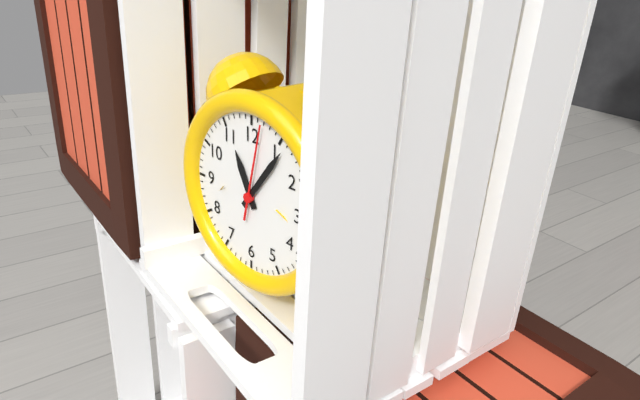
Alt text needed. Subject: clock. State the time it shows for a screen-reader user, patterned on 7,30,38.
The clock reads 11,06,02
